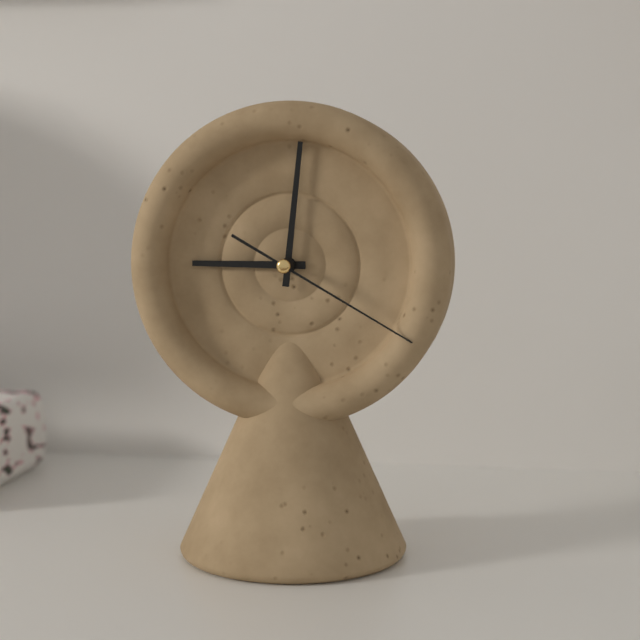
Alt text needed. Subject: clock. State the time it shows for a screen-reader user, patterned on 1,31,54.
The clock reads 9,01,20
